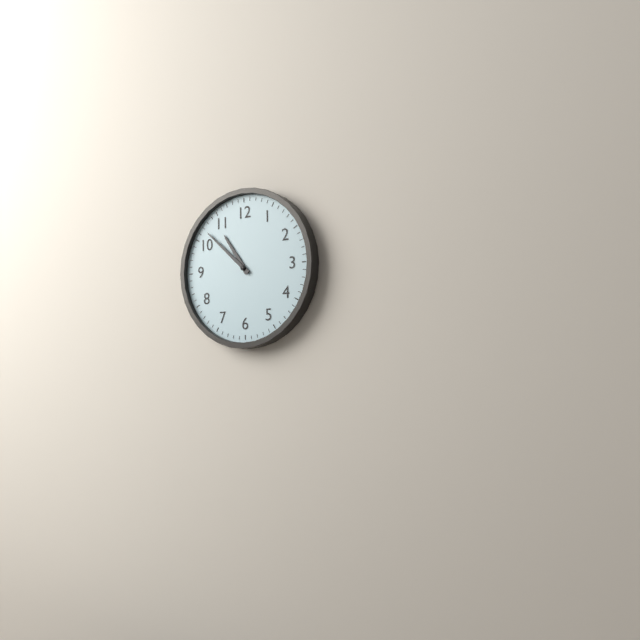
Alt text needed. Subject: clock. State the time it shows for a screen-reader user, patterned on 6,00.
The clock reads 10,52
